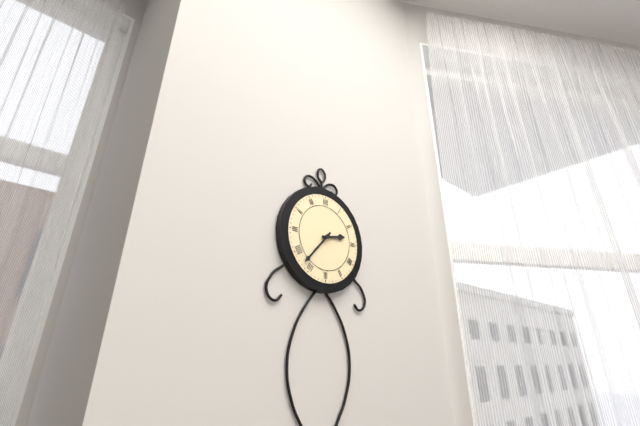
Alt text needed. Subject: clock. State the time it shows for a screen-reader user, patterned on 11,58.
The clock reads 2,37
